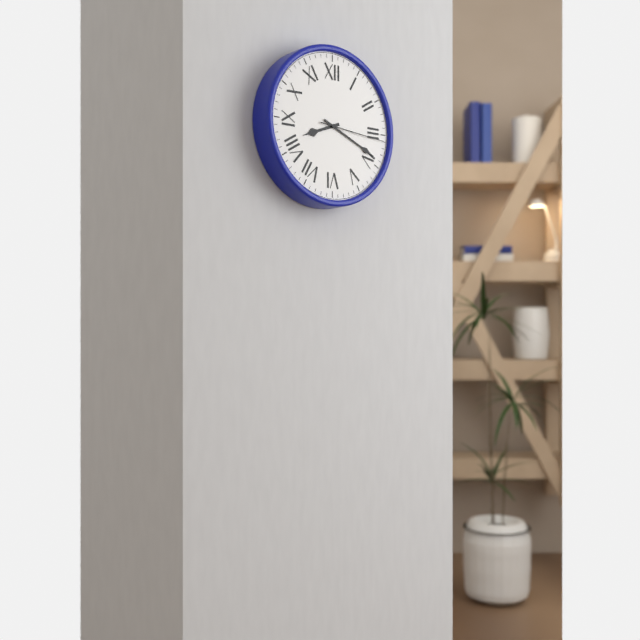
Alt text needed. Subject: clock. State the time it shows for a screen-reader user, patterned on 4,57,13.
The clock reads 8,19,16
